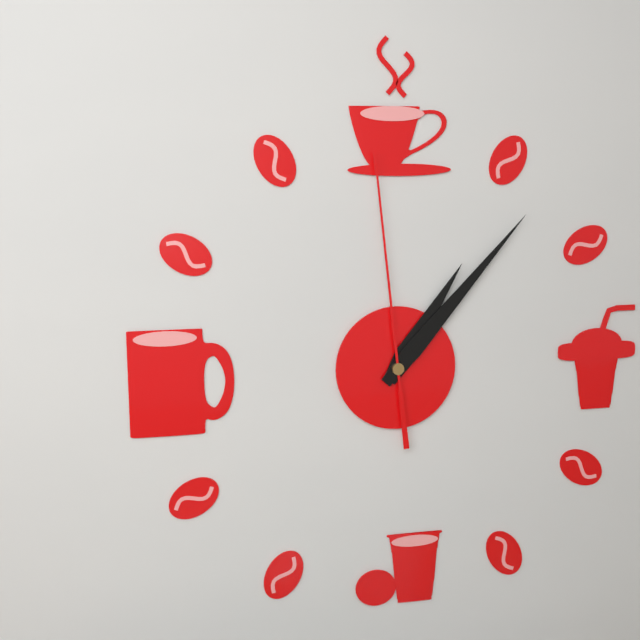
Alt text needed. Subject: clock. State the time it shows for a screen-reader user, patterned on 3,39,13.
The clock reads 1,07,59
